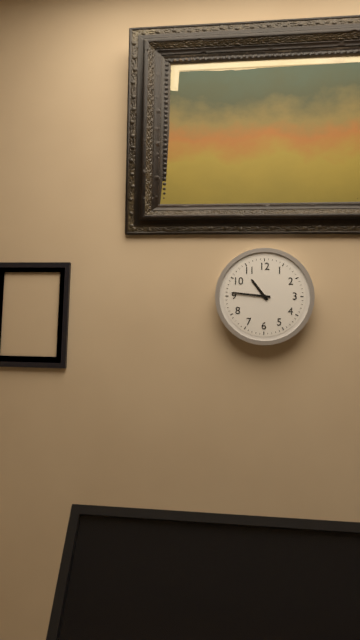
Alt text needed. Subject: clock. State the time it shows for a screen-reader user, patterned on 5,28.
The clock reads 10,46
